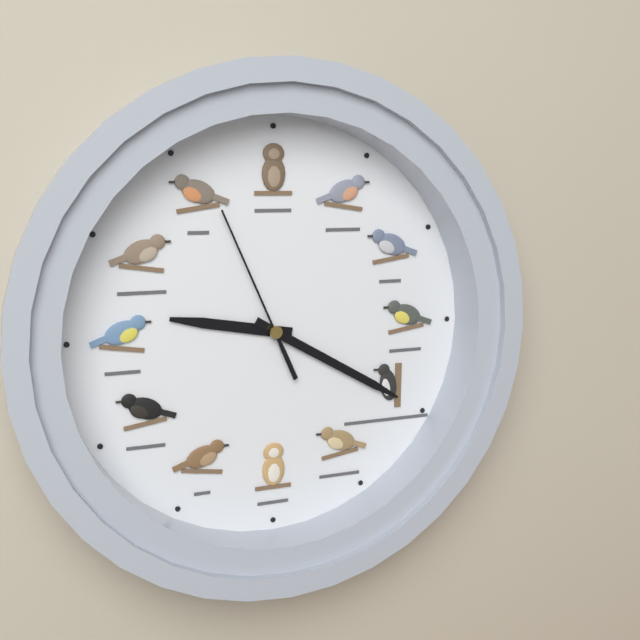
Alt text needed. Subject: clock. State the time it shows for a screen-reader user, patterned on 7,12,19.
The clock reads 9,20,56
